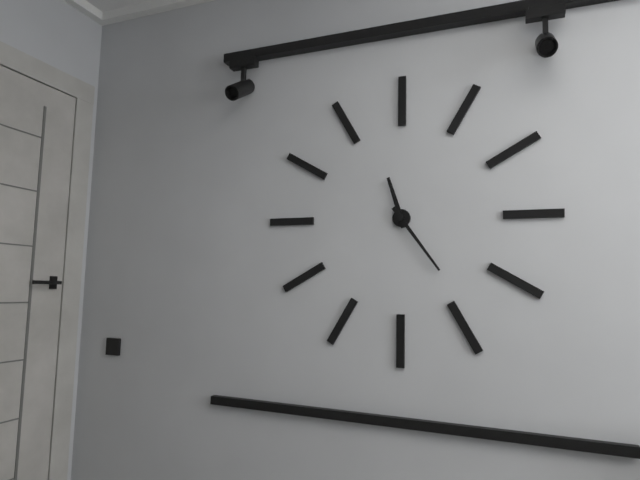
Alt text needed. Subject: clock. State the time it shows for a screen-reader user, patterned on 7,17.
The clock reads 11,24
